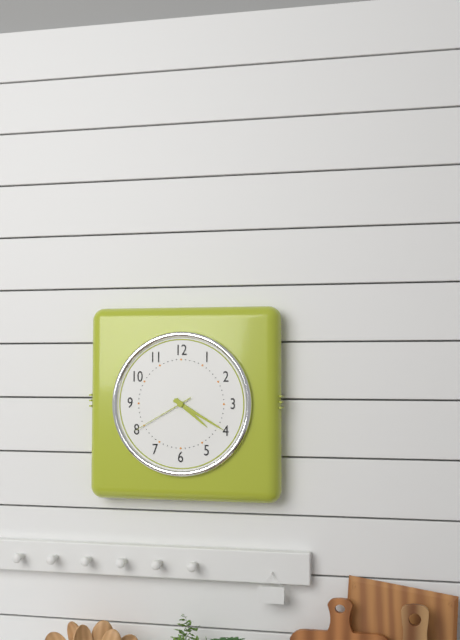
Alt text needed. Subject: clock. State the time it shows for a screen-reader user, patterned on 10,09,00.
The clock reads 4,20,40
